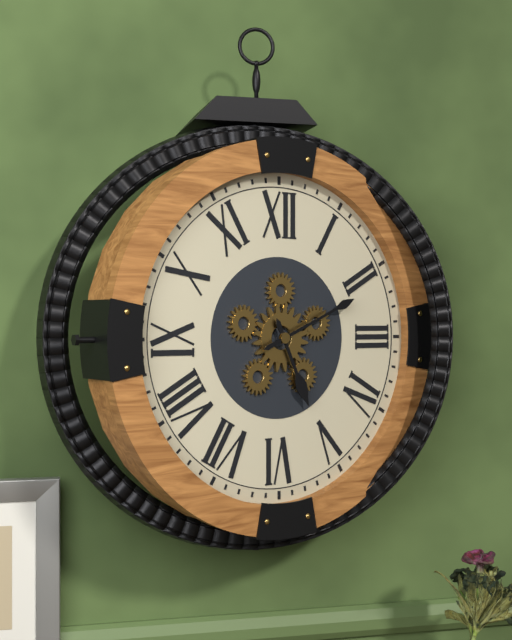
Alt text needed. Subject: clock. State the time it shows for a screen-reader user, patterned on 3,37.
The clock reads 5,11
